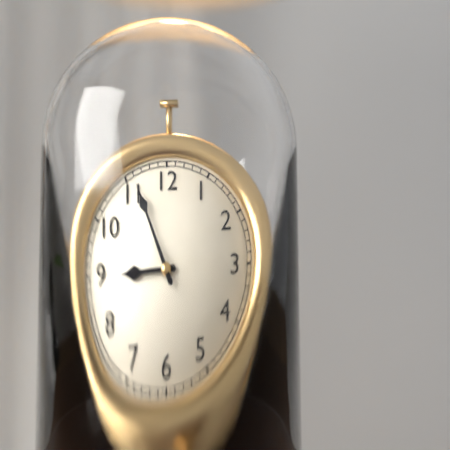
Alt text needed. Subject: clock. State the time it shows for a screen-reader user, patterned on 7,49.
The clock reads 8,56
